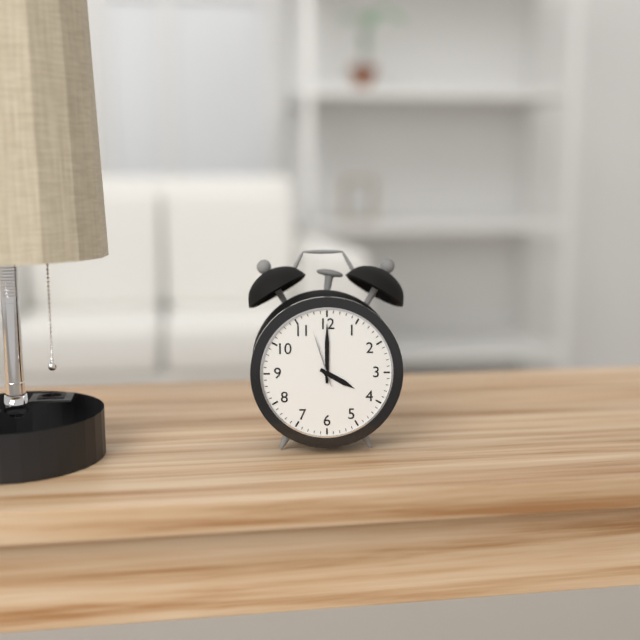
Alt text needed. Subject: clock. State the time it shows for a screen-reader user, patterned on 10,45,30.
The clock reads 4,00,57
